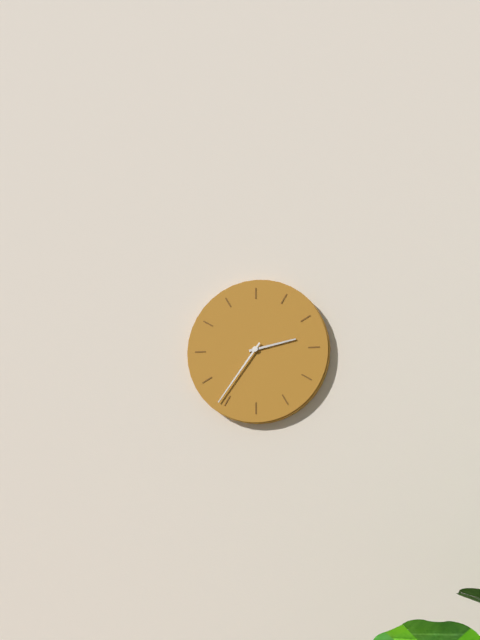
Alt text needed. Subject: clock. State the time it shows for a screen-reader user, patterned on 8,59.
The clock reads 2,36
